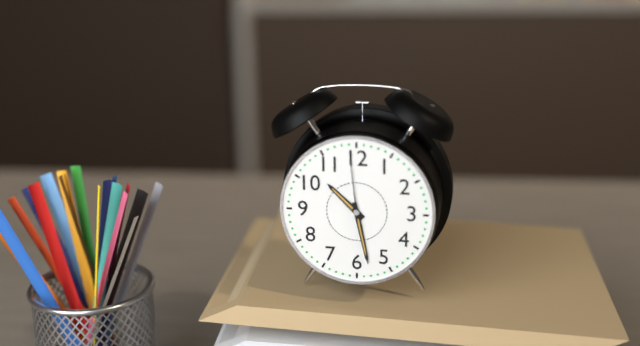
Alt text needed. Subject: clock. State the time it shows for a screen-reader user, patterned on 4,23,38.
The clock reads 10,28,59
